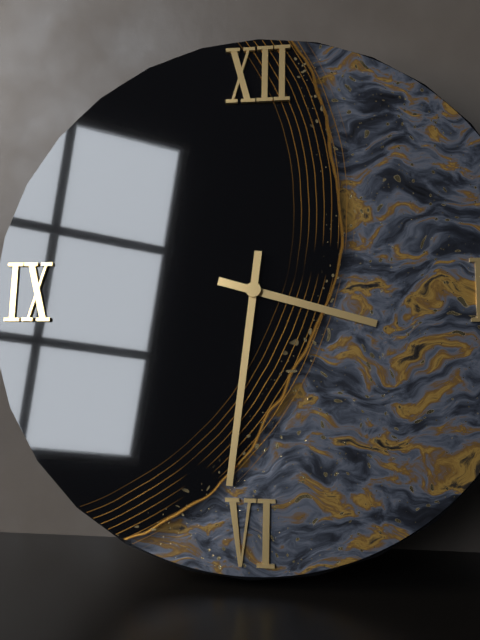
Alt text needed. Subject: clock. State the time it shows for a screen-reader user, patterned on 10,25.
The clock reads 3,31
